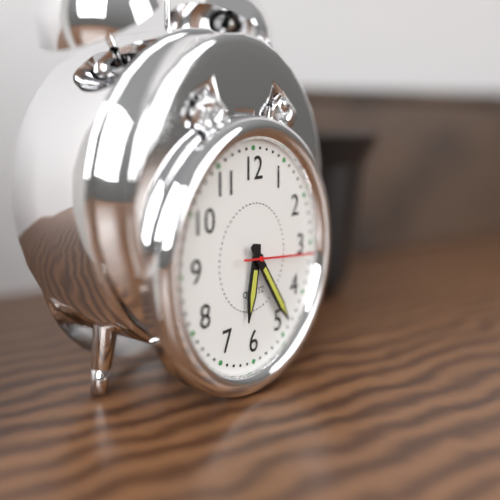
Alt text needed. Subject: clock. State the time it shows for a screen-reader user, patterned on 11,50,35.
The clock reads 6,24,16
